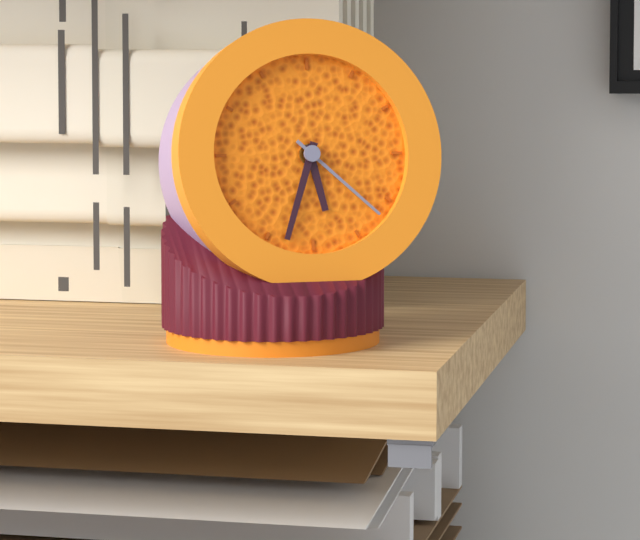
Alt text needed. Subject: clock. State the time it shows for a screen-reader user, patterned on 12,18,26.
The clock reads 5,33,22
